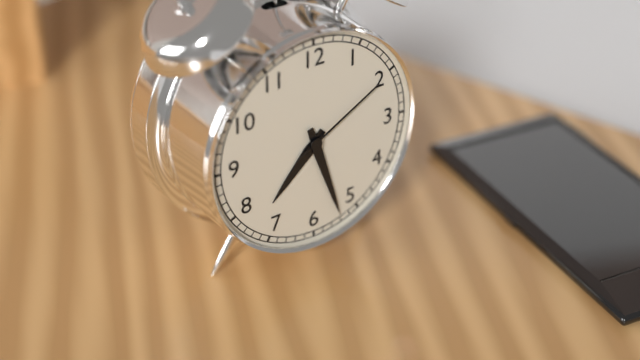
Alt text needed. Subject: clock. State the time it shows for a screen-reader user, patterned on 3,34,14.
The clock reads 7,27,10
